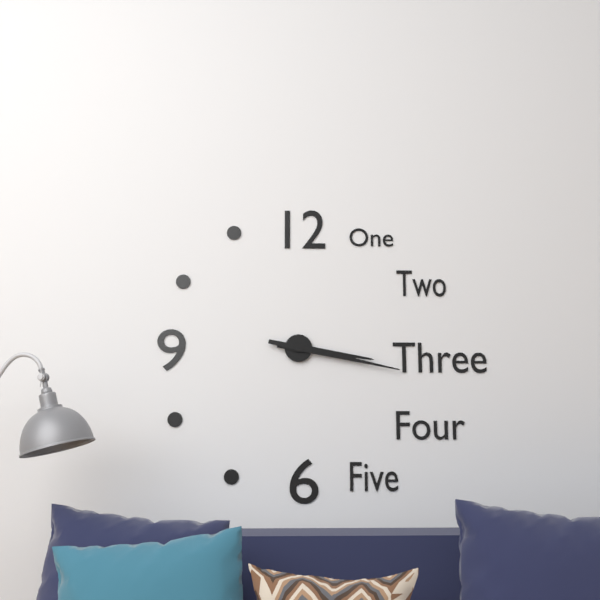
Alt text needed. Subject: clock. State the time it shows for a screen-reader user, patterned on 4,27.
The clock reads 3,17
